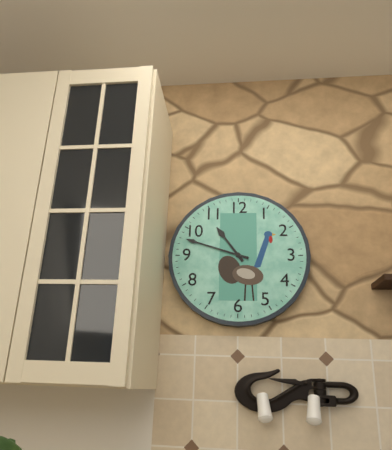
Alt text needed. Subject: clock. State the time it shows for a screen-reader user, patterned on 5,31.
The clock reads 10,48
